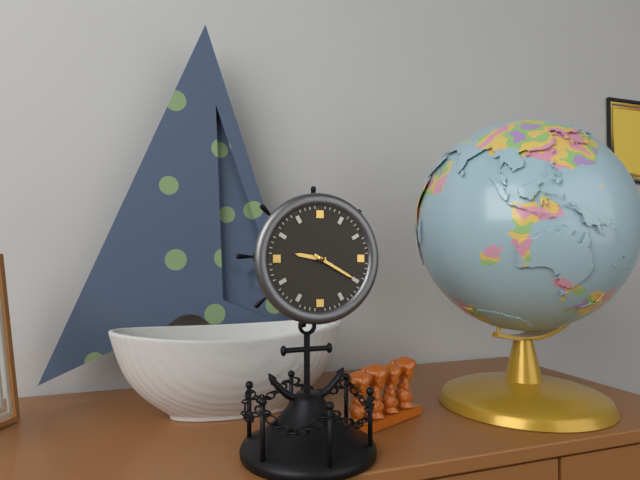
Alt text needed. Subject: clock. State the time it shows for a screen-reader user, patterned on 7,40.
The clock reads 9,20
